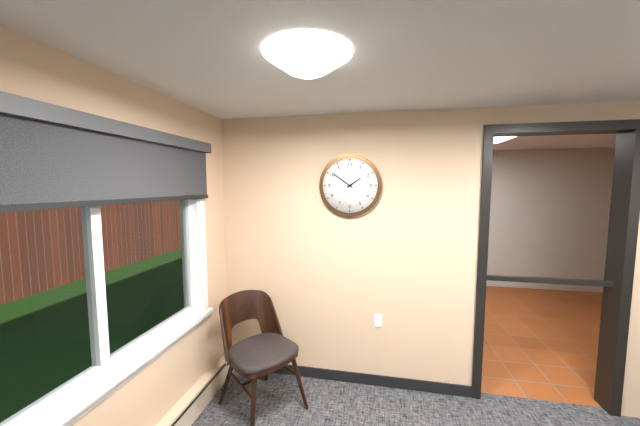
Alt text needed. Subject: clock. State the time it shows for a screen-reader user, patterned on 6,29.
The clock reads 1,51
